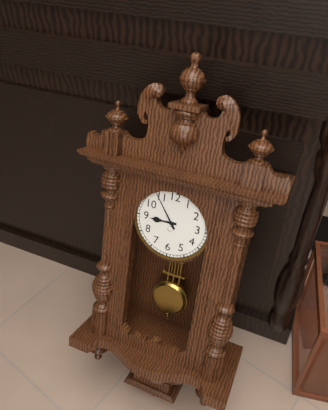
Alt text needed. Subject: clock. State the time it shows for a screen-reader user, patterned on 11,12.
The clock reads 8,54
